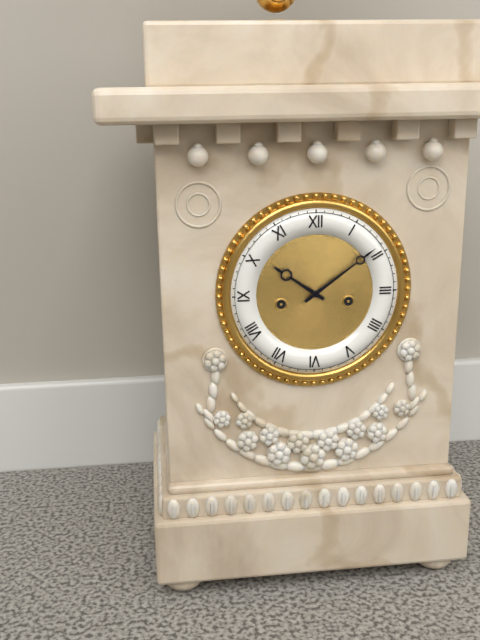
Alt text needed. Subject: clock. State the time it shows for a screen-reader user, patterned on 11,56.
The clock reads 10,09
